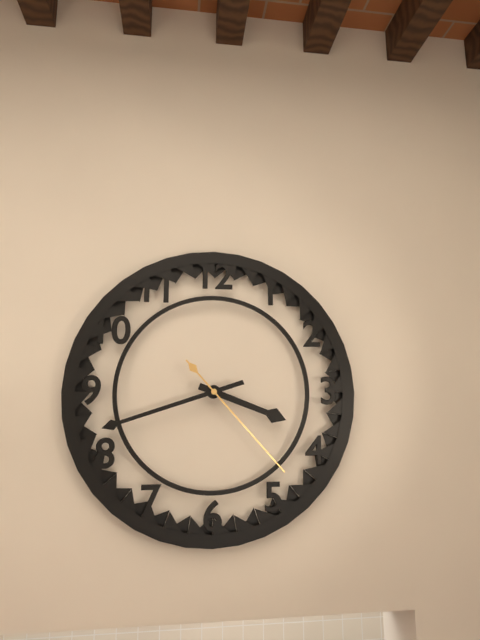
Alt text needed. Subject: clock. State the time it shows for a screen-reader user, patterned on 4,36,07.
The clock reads 3,42,23
